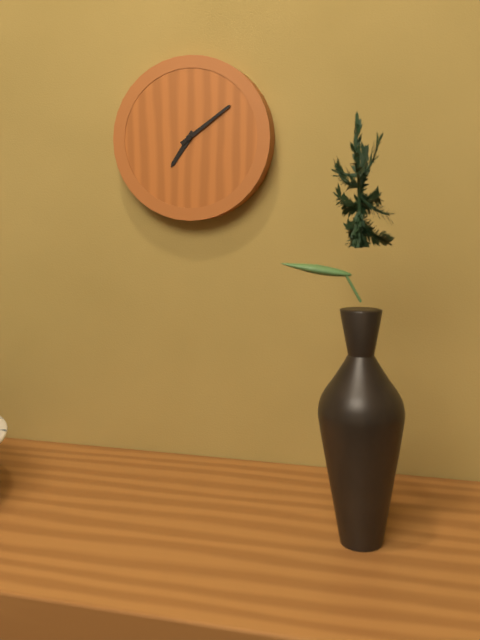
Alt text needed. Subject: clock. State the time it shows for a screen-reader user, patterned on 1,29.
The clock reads 7,09
